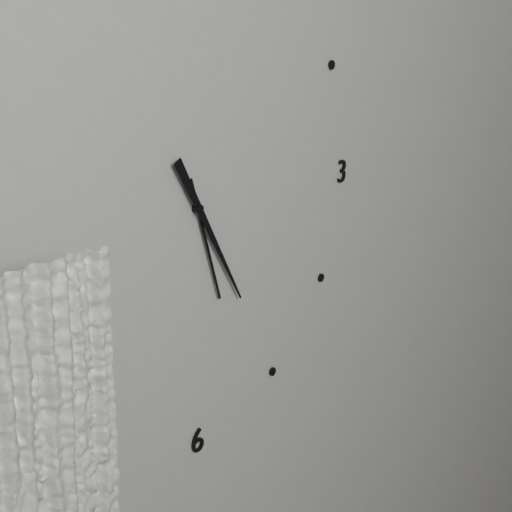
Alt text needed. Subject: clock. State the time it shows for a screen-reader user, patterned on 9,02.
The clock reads 5,25
